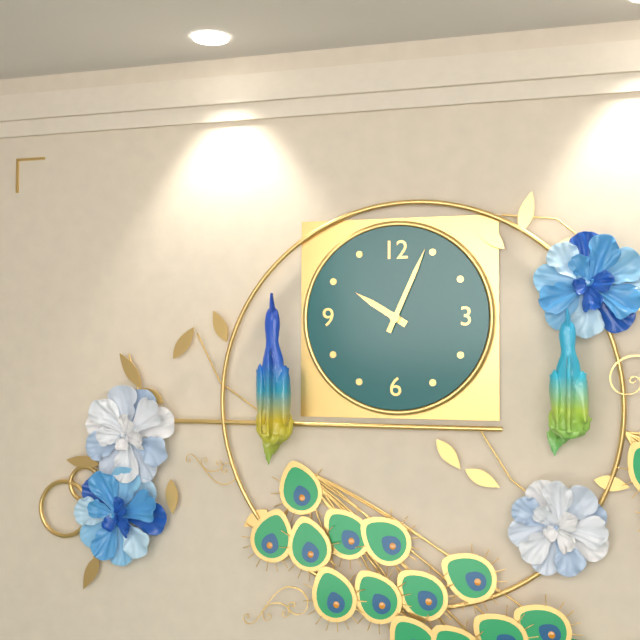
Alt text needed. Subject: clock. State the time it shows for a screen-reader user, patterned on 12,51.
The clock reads 10,04
